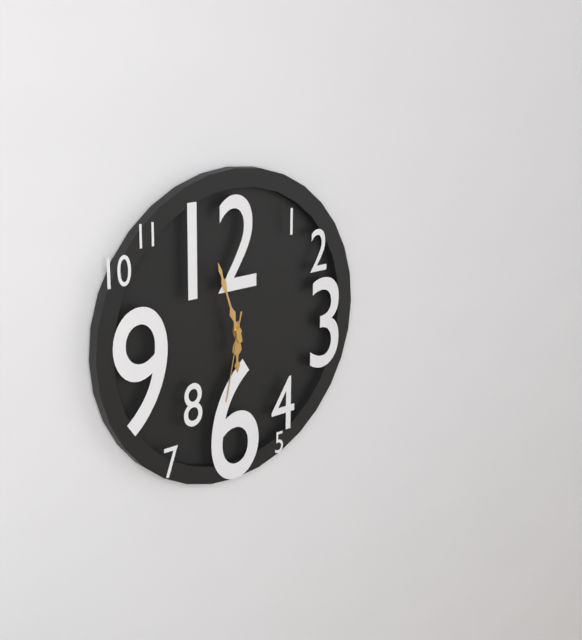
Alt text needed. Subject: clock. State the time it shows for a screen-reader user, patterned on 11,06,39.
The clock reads 5,57,32
